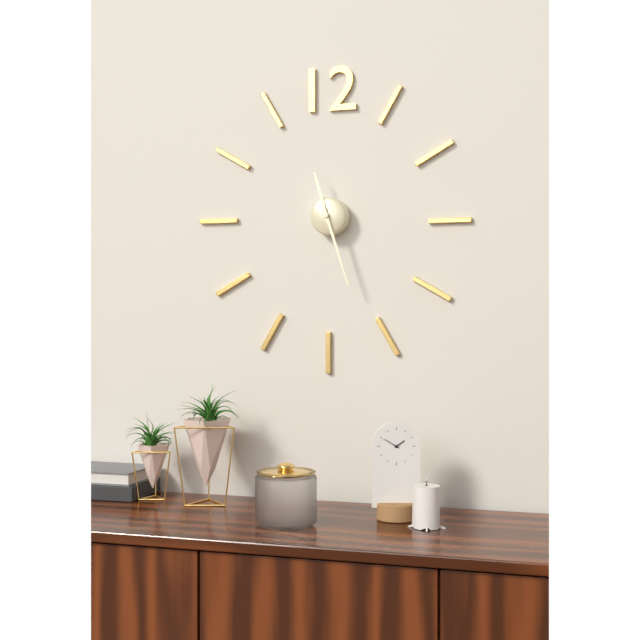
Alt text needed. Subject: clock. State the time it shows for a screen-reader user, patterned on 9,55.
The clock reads 11,27
